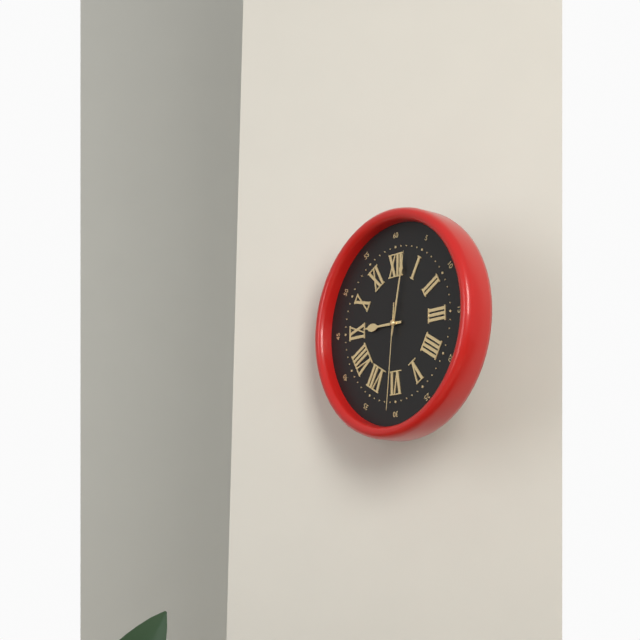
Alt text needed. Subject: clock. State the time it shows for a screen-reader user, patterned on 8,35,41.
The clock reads 9,02,31
